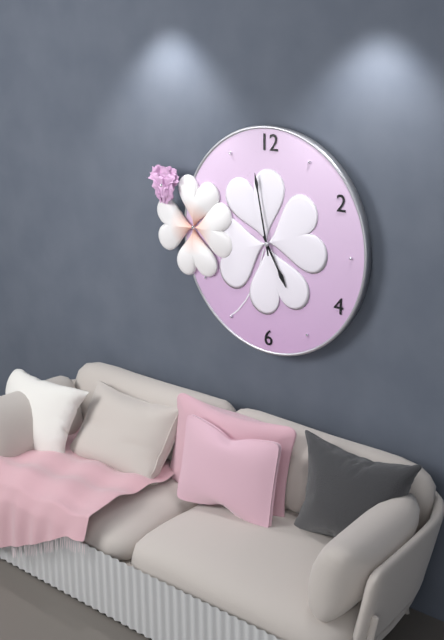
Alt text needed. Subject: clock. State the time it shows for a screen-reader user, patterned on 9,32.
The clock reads 4,58
